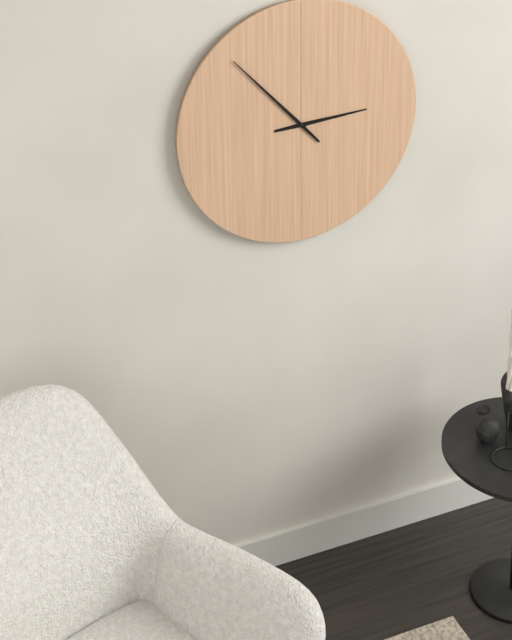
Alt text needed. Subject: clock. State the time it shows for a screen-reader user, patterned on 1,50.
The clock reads 2,53
